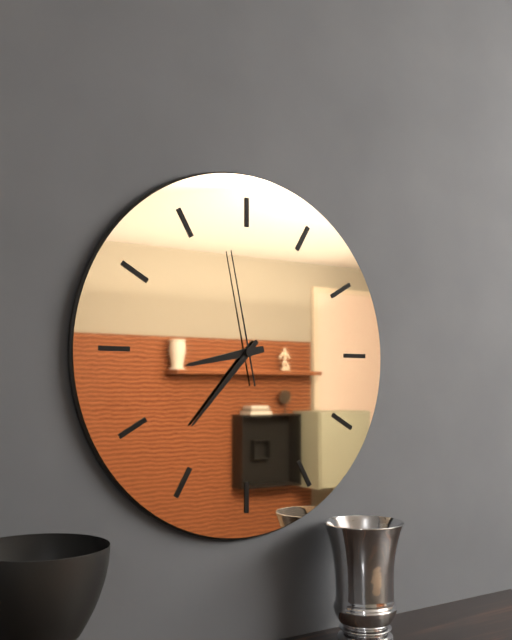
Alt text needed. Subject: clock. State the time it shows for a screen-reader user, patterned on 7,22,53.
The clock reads 8,37,58
